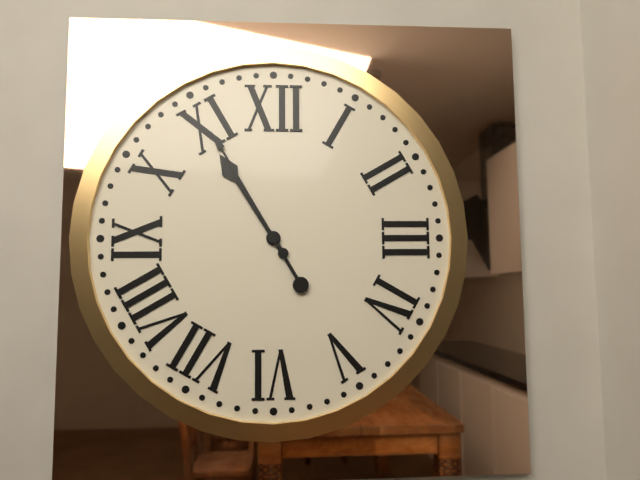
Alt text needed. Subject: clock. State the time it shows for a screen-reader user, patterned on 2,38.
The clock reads 10,55
